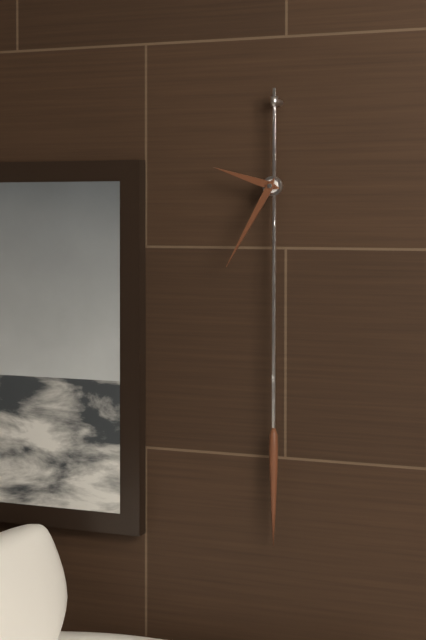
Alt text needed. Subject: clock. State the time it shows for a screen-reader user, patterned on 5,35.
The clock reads 9,35
